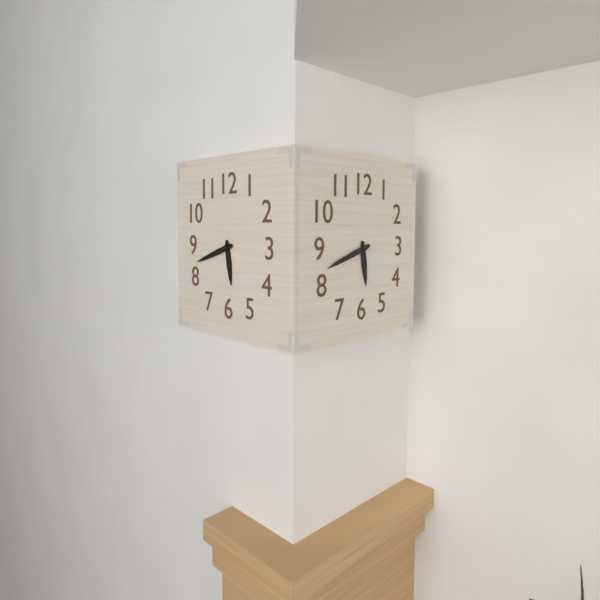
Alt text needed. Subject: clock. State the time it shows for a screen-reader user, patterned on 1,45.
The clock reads 5,42
